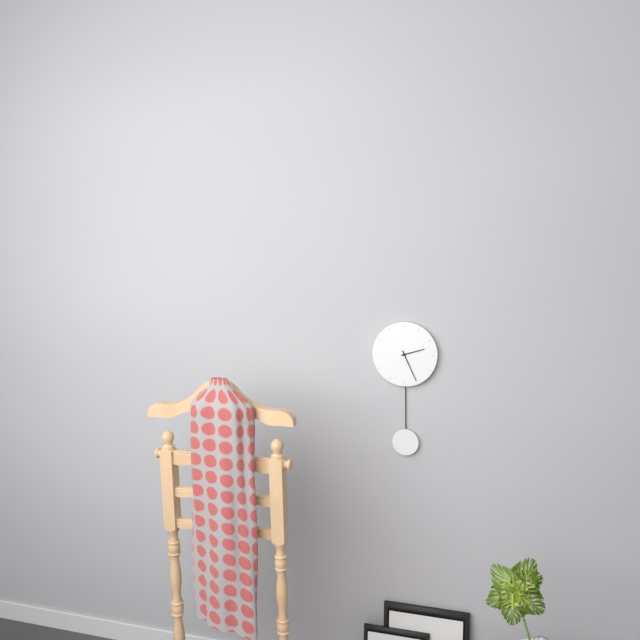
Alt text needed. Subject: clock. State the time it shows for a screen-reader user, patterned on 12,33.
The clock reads 2,26
